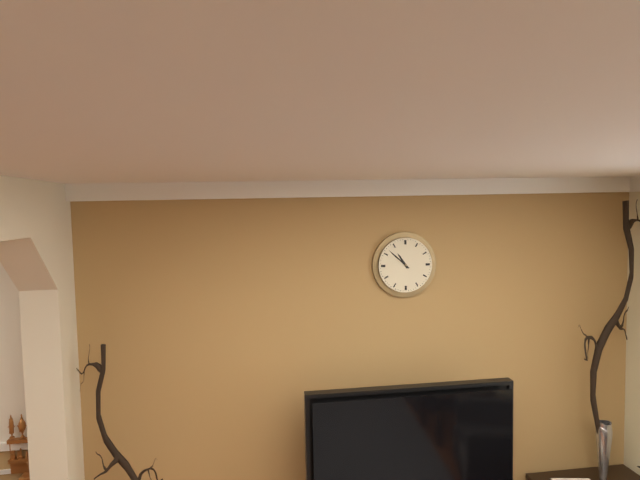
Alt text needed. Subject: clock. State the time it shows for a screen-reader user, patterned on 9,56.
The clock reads 10,52
